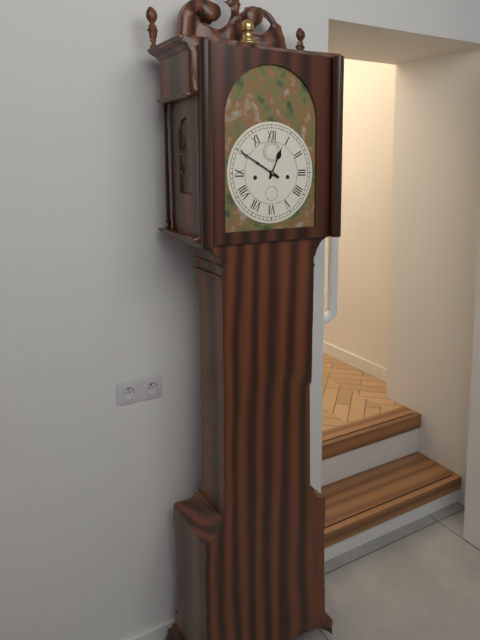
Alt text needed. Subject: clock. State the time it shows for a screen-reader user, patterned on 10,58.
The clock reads 12,50
